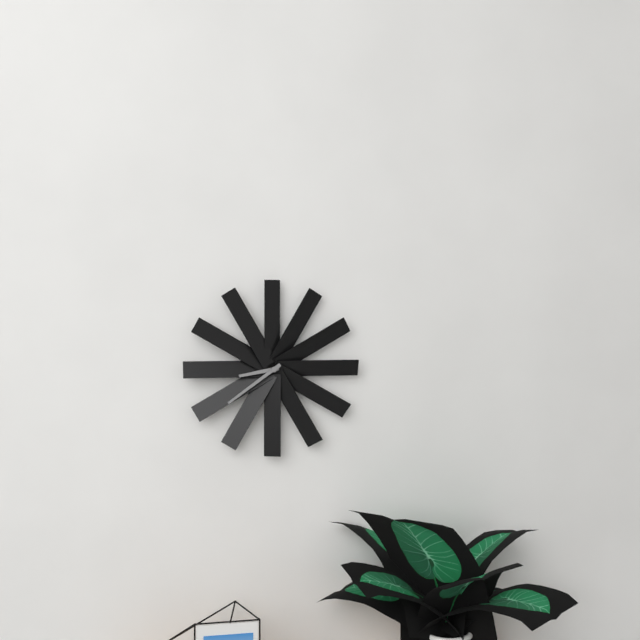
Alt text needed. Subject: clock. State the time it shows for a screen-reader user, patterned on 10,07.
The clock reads 8,39
